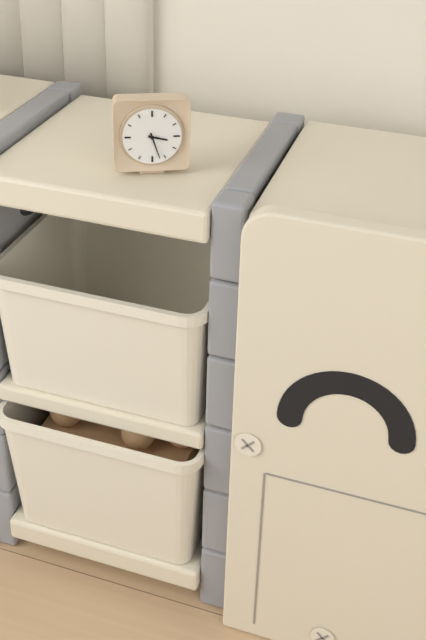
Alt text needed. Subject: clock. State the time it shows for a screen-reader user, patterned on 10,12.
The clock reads 3,27
